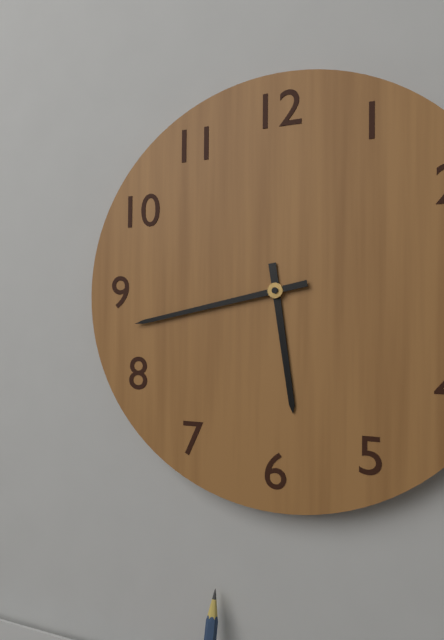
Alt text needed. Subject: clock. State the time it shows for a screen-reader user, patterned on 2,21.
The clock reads 5,43
